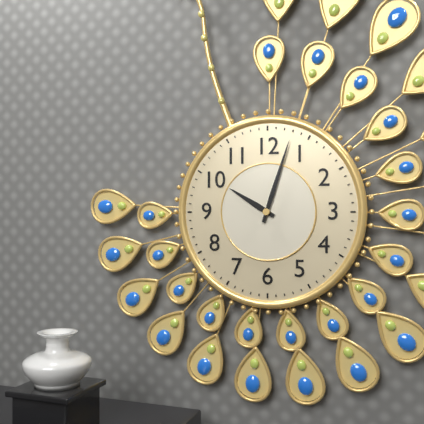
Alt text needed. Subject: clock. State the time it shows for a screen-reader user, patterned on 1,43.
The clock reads 10,03
